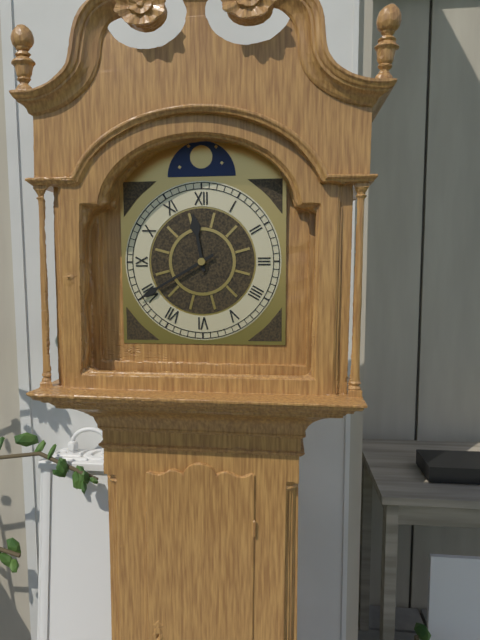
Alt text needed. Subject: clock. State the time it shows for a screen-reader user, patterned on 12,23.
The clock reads 11,40
